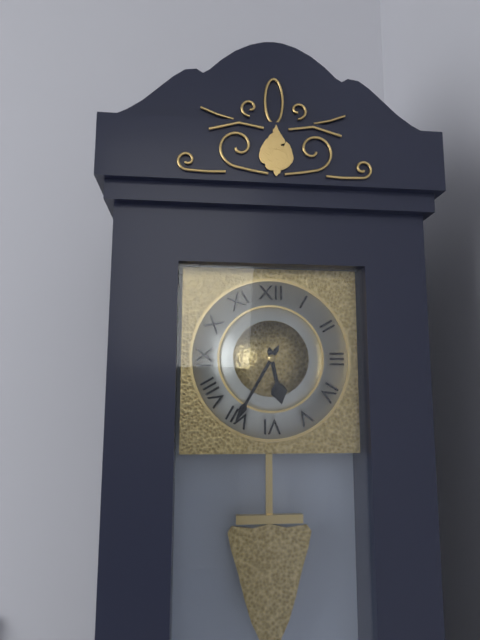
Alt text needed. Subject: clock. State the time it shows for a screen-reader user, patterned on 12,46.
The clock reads 5,35
